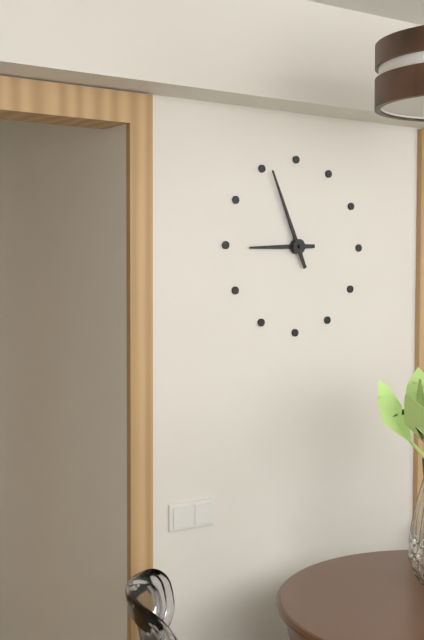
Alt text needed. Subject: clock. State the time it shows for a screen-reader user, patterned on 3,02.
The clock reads 8,56
